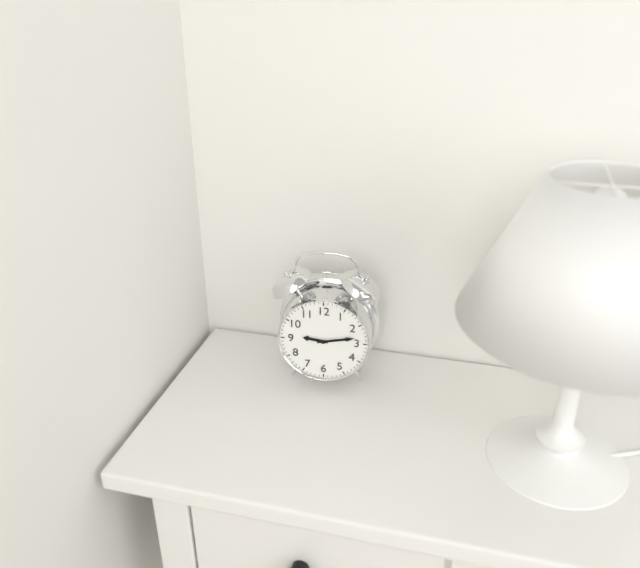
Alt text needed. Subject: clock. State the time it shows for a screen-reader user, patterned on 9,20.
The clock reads 9,13
